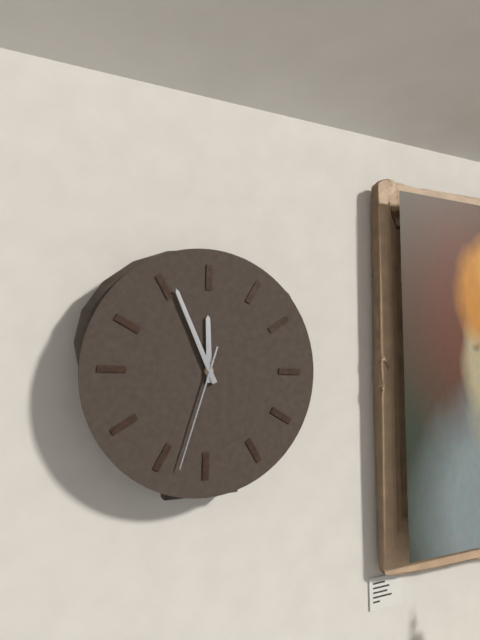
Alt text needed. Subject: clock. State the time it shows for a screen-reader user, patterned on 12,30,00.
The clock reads 11,56,33
